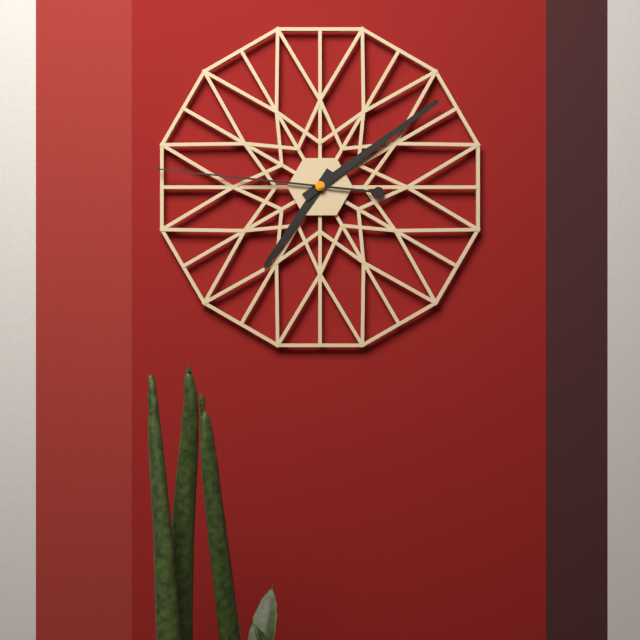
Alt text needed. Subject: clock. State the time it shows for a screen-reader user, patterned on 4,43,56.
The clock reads 7,09,46
